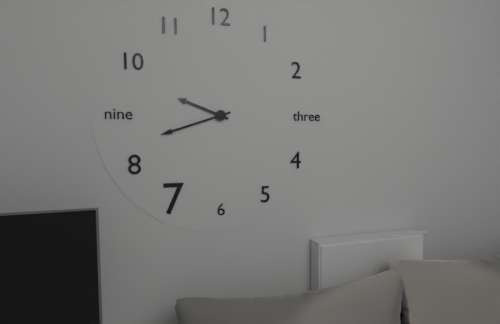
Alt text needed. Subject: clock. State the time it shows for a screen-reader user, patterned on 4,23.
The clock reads 9,42
